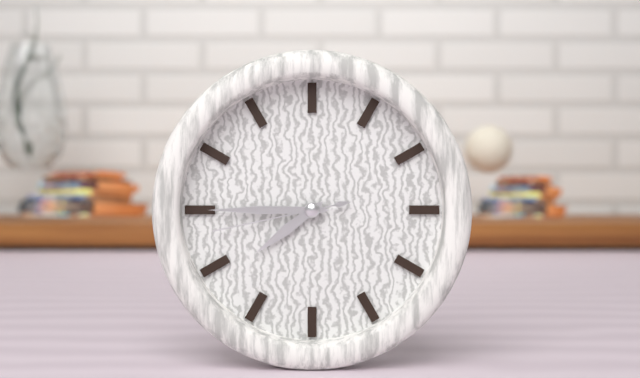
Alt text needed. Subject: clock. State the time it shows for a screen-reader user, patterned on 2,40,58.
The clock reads 7,45,43
